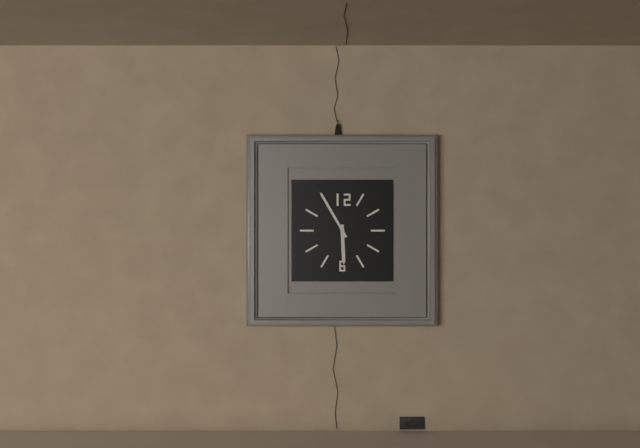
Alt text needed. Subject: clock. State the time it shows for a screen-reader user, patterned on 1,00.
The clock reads 5,55
